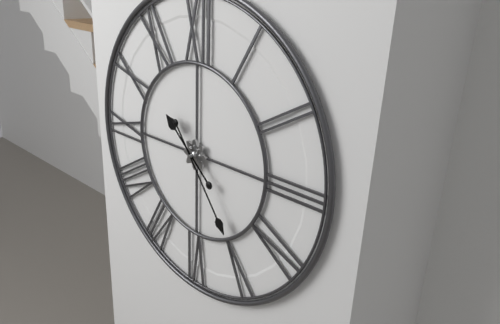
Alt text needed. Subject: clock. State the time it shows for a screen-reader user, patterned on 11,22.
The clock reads 10,24
